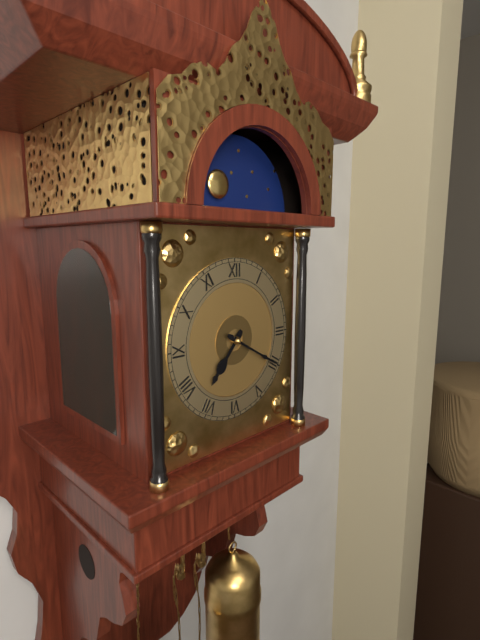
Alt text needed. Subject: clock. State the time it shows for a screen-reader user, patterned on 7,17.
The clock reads 7,20
